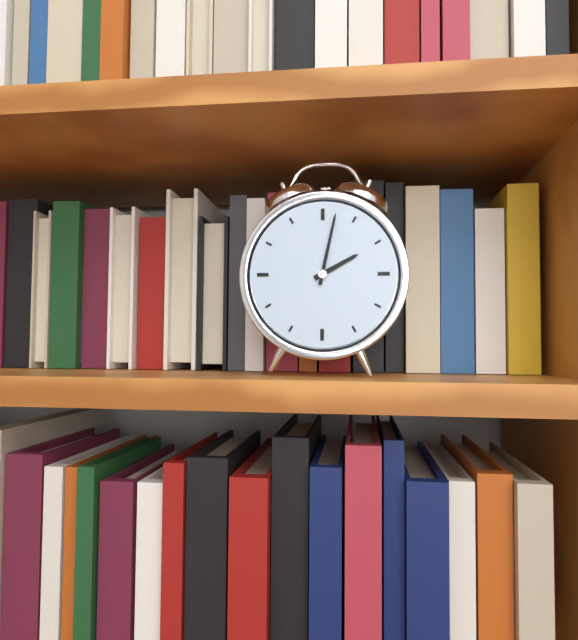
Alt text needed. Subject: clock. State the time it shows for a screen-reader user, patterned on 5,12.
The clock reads 2,02
